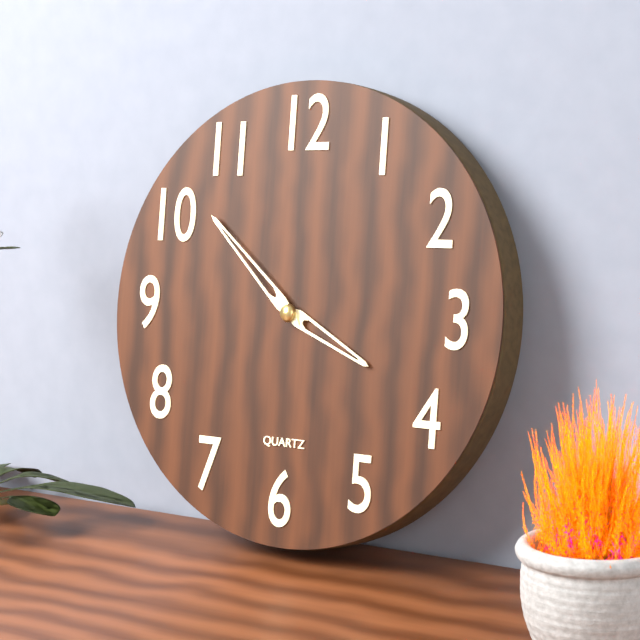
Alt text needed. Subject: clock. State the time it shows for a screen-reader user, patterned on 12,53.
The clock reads 3,52
